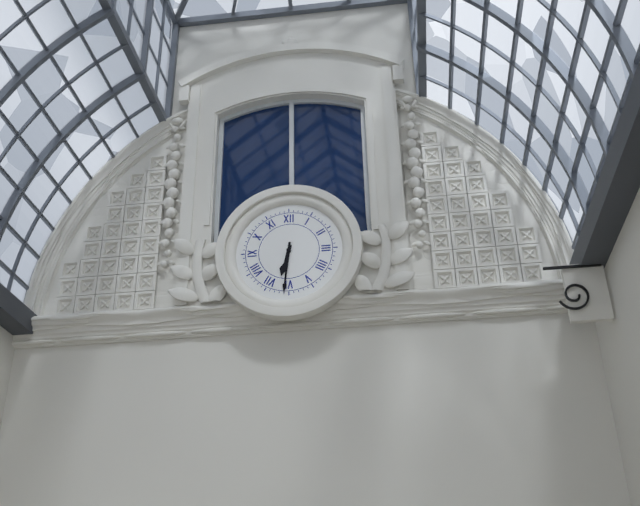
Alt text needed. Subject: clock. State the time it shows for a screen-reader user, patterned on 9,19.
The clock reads 6,31
